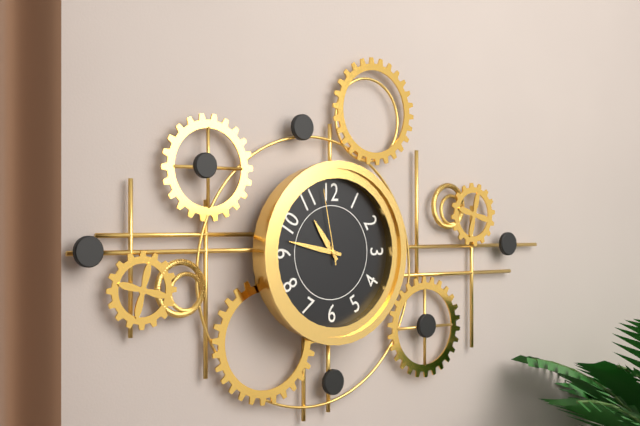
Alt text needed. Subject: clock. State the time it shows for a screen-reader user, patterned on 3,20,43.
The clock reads 10,47,58
